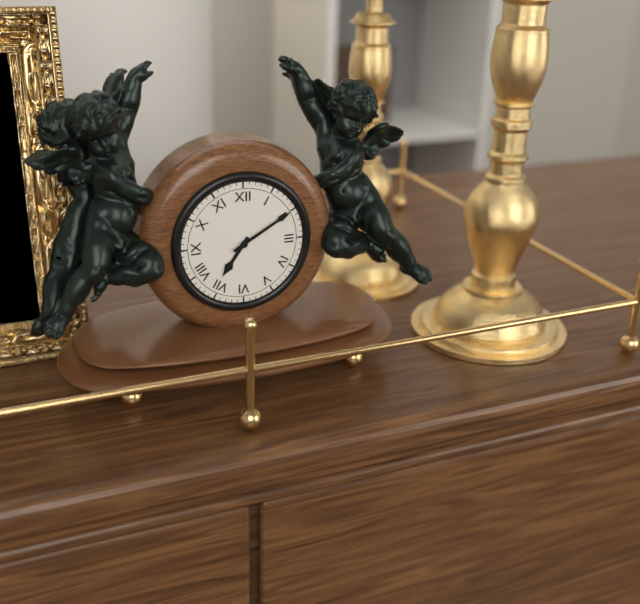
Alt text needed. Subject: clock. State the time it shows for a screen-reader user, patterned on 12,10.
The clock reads 7,10
